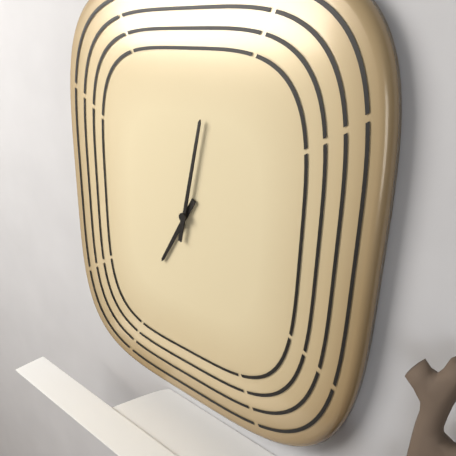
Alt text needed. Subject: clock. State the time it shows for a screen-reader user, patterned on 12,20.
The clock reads 7,02
